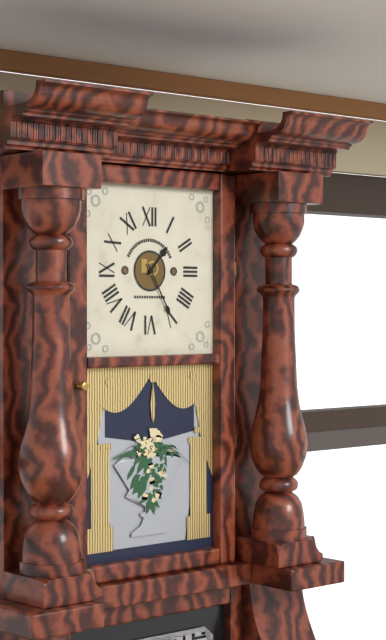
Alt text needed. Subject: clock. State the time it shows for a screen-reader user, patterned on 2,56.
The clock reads 1,25
